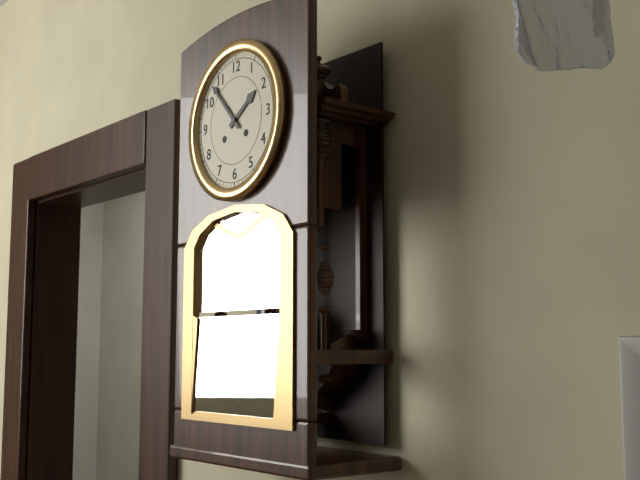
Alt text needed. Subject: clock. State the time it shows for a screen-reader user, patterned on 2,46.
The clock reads 1,53
